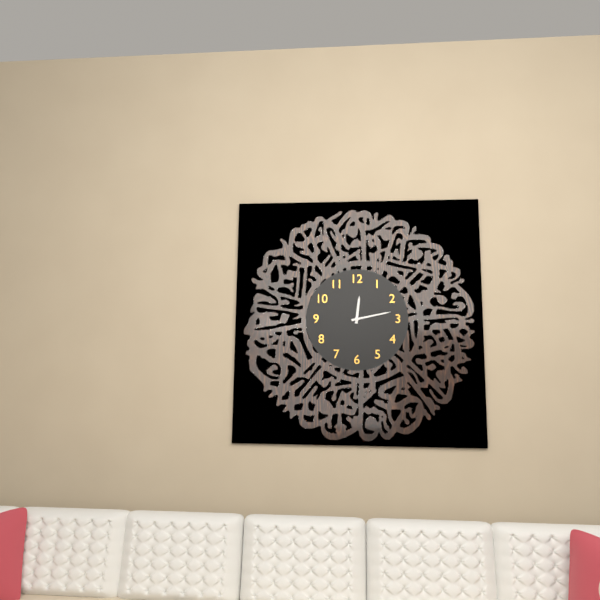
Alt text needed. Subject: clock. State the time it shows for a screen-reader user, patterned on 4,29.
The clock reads 12,13
